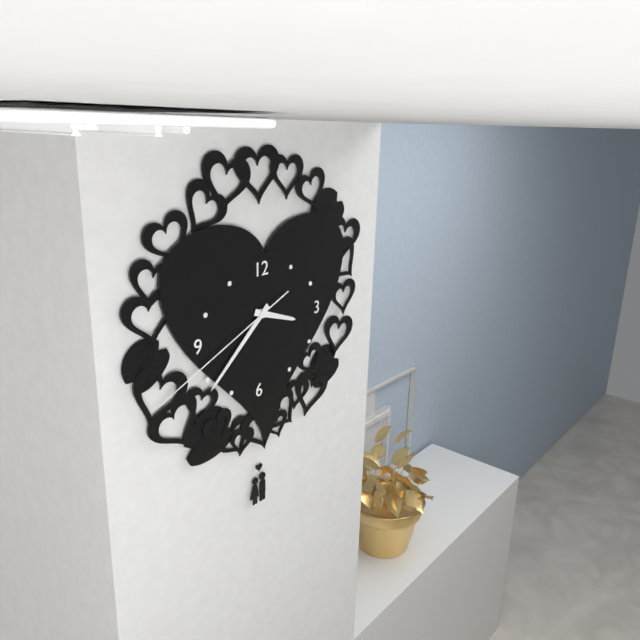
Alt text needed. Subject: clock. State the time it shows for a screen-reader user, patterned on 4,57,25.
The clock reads 3,38,41
